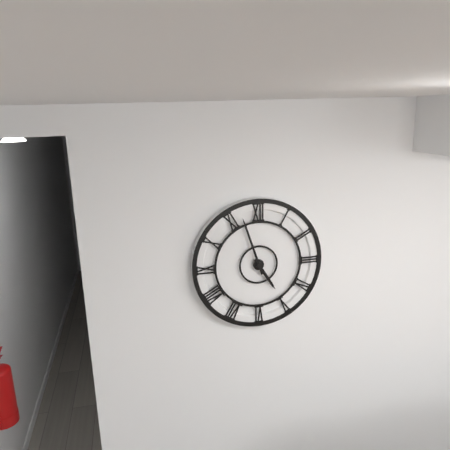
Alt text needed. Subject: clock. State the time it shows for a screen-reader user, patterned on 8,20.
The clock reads 4,57
